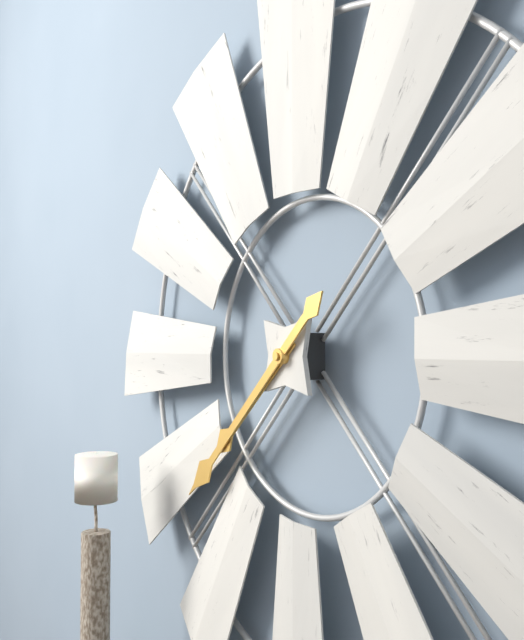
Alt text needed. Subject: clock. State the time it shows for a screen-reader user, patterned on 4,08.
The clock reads 7,38
